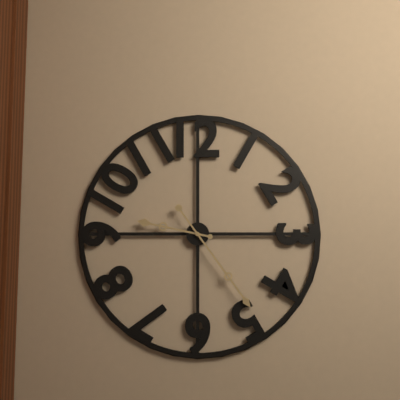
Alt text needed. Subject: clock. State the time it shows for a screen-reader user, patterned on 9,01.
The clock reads 9,24
